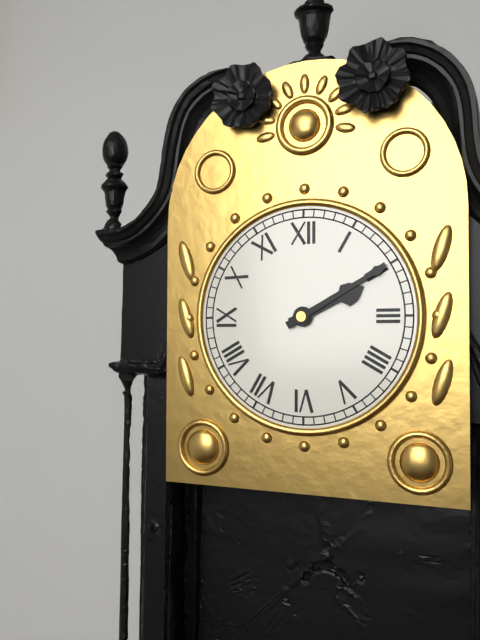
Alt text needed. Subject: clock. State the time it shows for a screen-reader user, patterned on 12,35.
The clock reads 2,10
